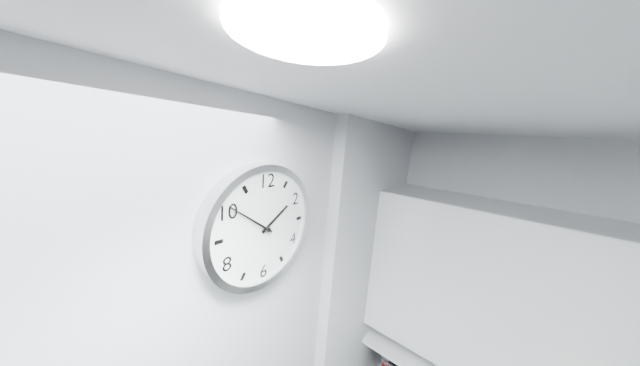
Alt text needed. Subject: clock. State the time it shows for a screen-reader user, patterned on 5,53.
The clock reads 1,51
